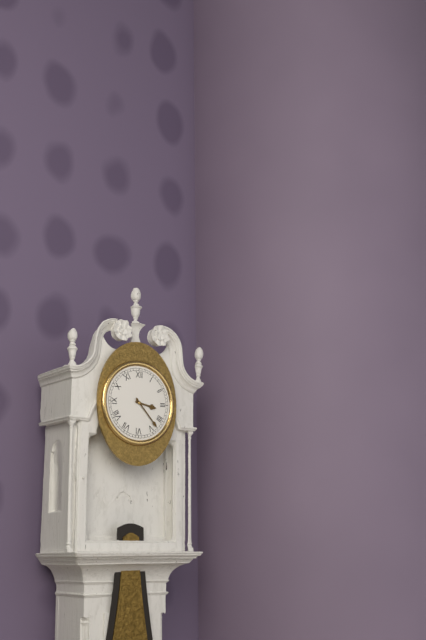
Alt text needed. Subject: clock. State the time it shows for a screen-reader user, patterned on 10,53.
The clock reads 3,23
